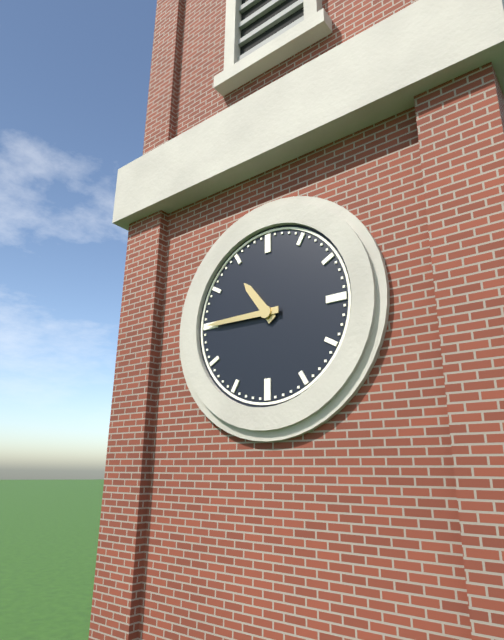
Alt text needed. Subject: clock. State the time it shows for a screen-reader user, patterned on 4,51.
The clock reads 10,45
